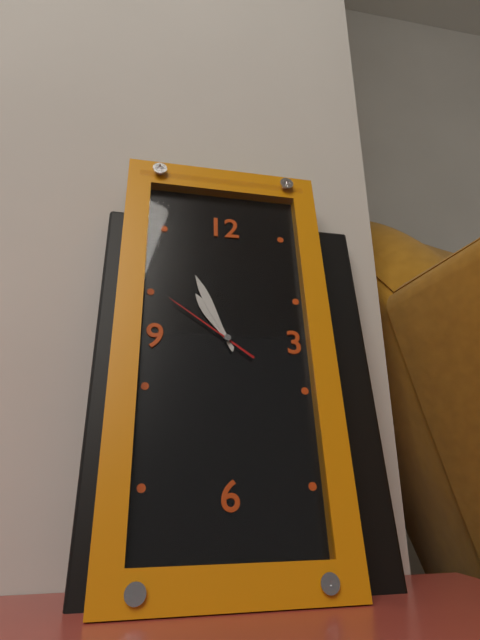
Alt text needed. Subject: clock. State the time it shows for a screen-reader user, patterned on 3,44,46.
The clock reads 10,56,51
